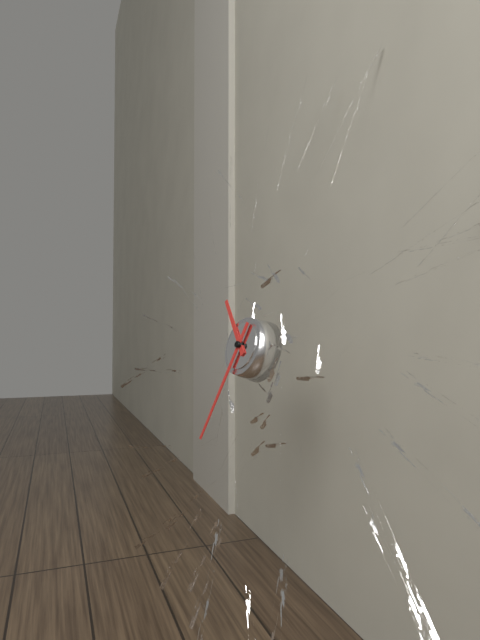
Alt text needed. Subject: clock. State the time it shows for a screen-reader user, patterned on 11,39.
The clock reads 10,33
